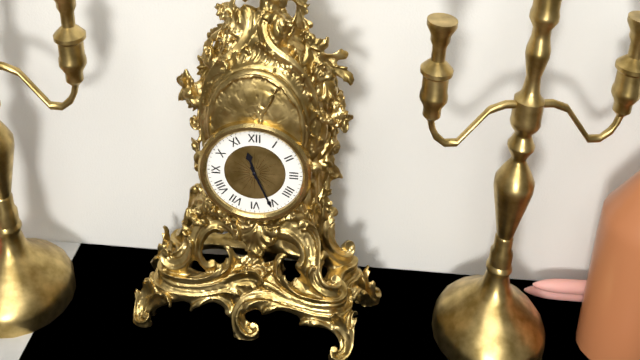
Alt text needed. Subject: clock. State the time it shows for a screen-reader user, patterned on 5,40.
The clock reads 11,26
